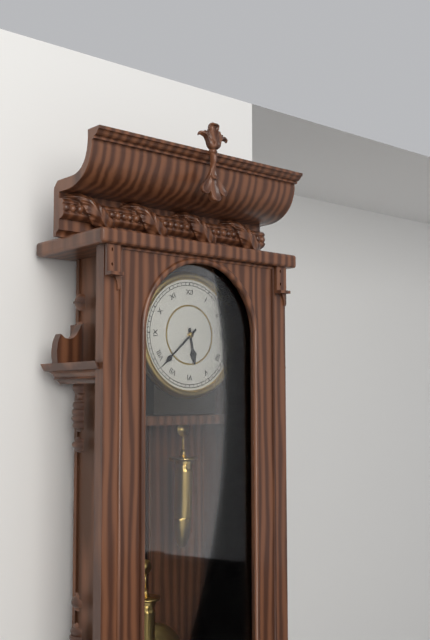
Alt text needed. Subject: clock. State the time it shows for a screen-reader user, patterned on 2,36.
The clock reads 5,38
